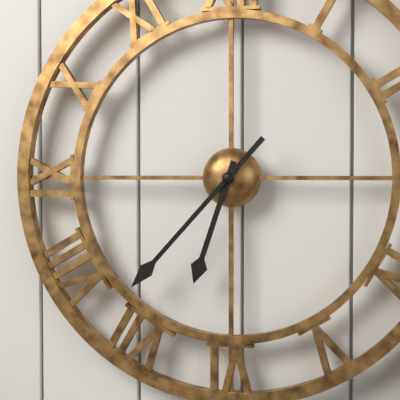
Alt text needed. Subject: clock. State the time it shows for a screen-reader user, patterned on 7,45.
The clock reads 6,37
